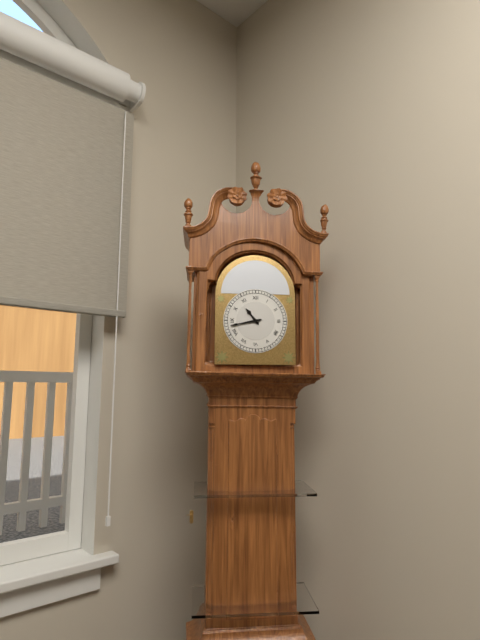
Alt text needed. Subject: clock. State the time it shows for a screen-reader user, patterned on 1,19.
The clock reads 10,43
